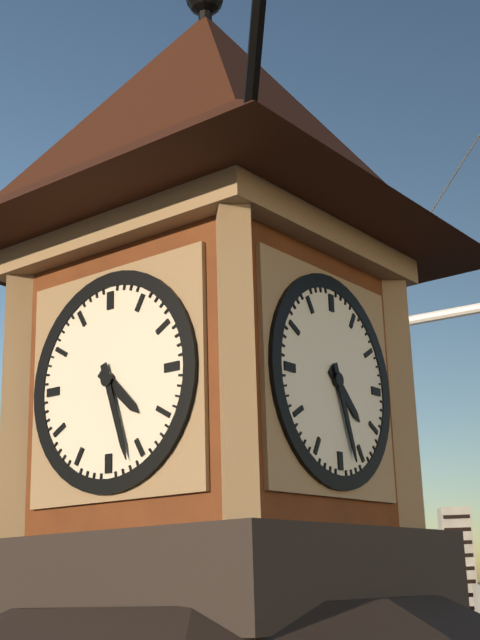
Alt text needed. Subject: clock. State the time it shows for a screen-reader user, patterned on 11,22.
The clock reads 4,27
